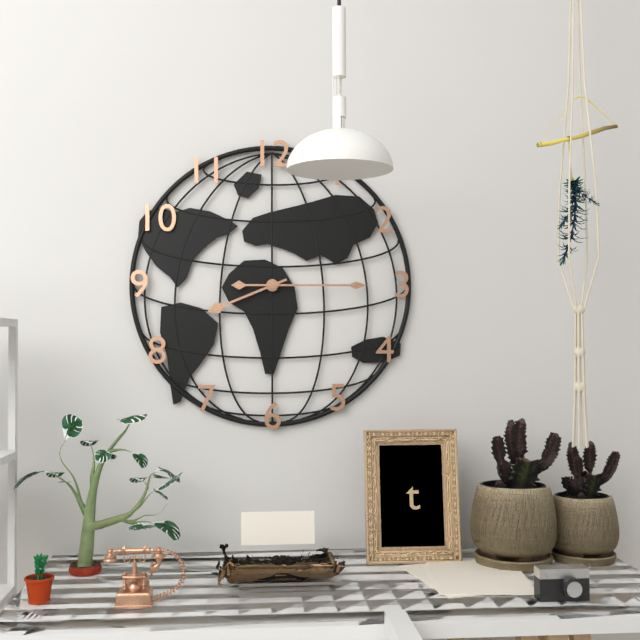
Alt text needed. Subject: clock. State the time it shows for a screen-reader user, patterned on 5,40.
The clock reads 8,15
